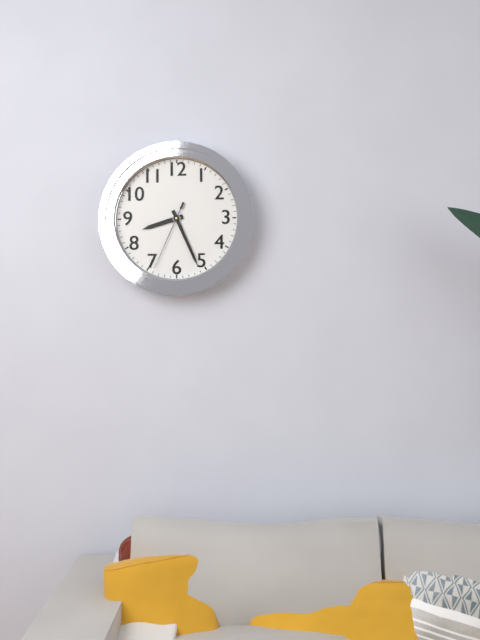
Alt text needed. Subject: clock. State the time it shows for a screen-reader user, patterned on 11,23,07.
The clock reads 8,26,34
